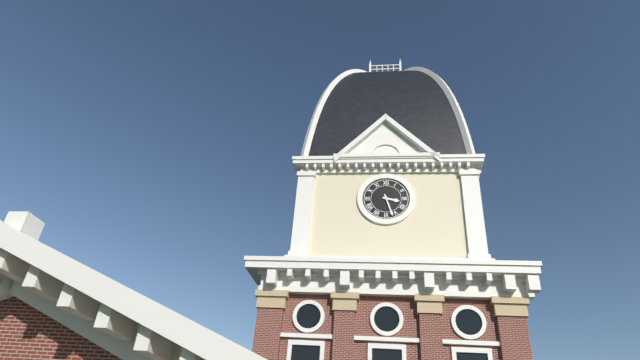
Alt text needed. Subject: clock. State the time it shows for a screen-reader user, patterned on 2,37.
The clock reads 3,27
